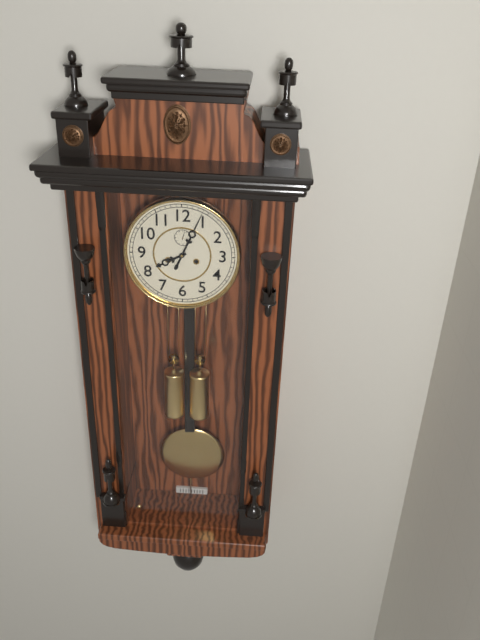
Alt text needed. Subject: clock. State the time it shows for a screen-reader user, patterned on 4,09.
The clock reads 8,04
